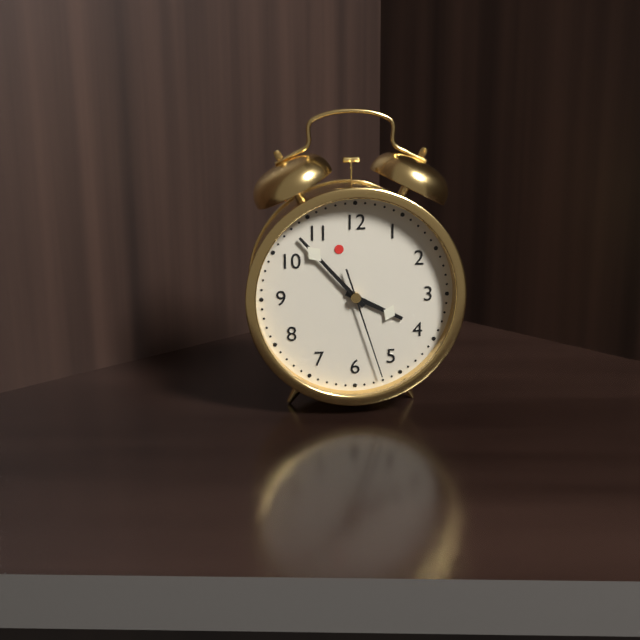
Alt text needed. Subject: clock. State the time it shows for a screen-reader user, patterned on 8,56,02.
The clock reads 3,53,27
